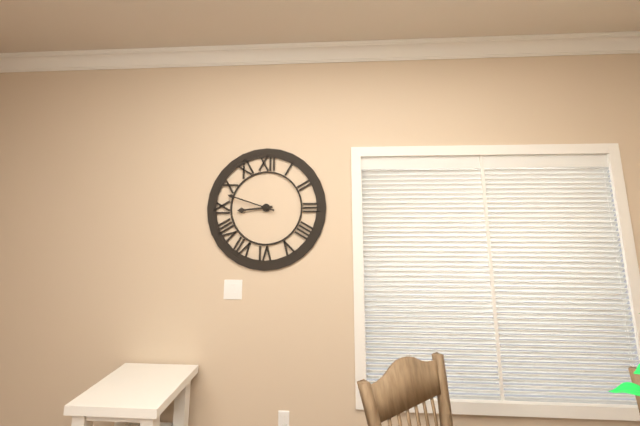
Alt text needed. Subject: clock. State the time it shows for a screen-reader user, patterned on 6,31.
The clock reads 8,48
